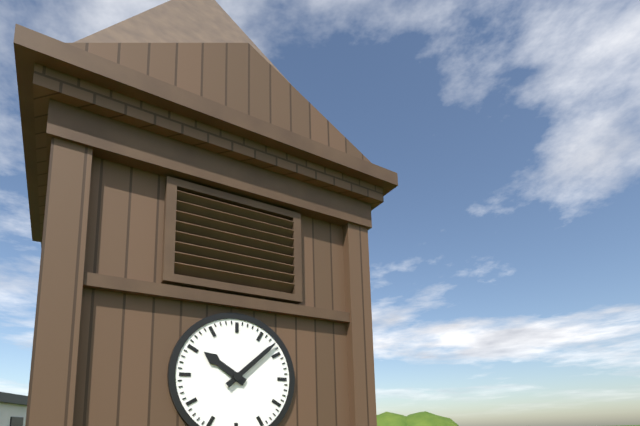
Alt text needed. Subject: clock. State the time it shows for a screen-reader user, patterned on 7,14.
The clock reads 10,08
